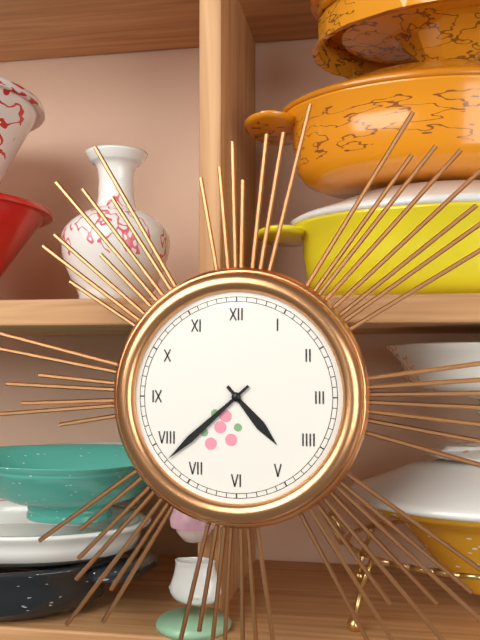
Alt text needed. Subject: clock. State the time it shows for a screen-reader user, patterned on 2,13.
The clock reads 4,38
